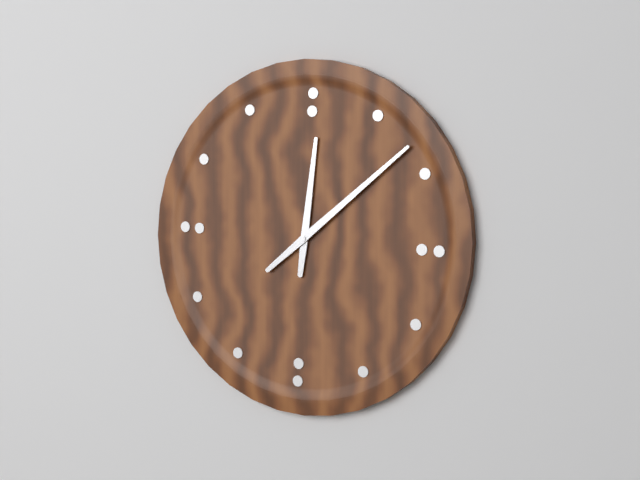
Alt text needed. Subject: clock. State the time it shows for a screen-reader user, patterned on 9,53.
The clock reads 12,08
